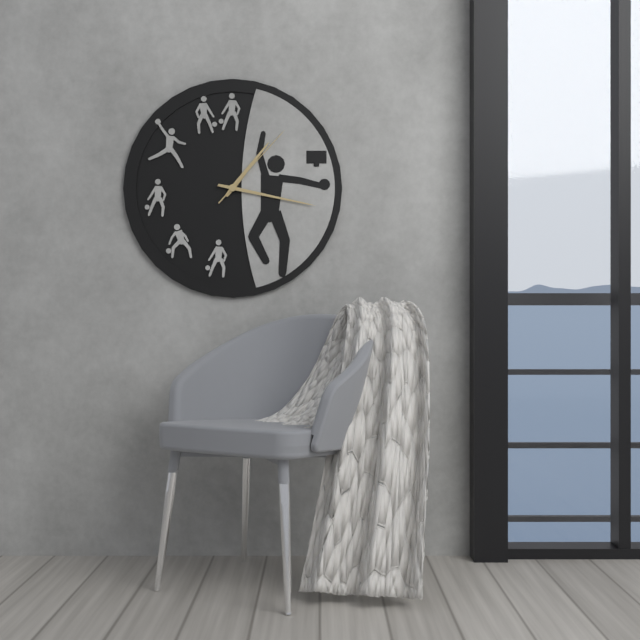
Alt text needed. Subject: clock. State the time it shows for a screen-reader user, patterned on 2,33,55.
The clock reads 1,17,07
